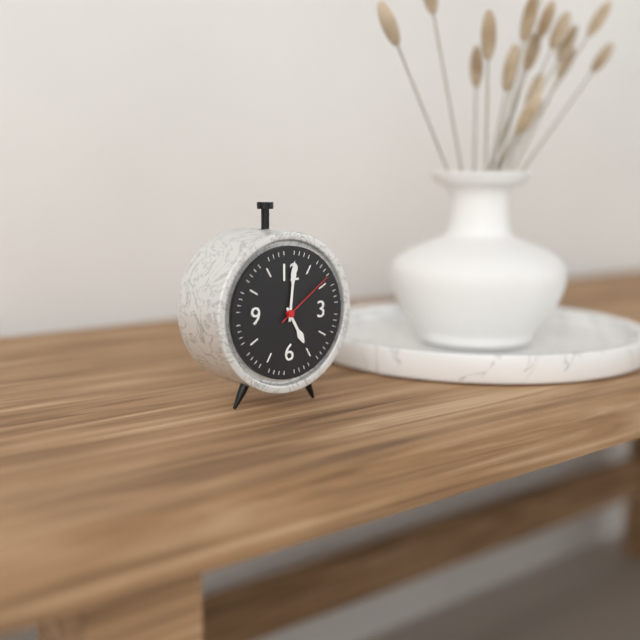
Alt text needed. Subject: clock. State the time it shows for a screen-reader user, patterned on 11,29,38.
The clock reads 5,01,09
